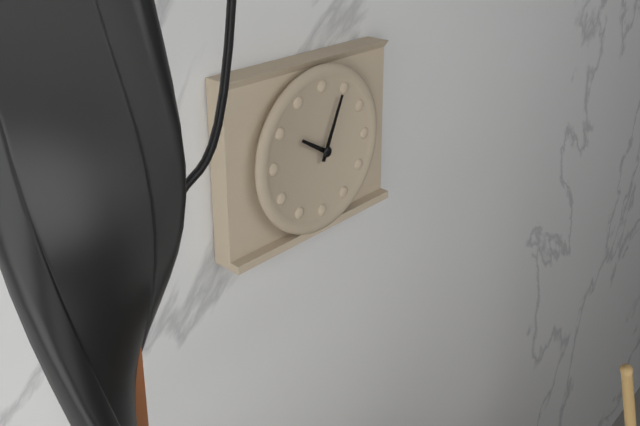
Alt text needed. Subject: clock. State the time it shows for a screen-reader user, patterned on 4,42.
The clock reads 10,04
